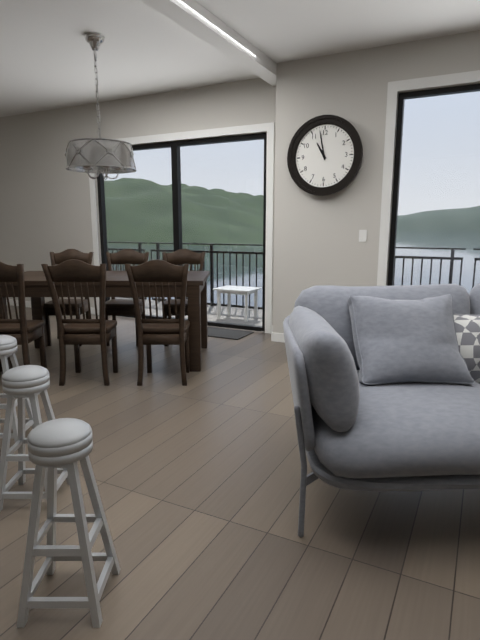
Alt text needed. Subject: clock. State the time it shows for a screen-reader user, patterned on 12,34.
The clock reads 10,58
